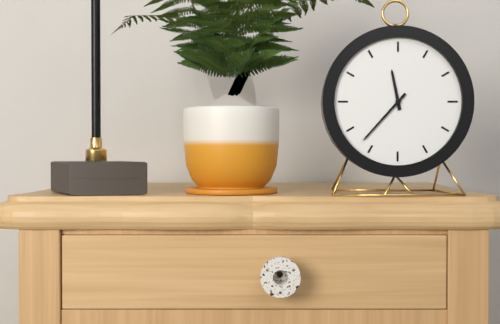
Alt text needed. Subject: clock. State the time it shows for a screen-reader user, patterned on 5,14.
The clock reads 11,37
